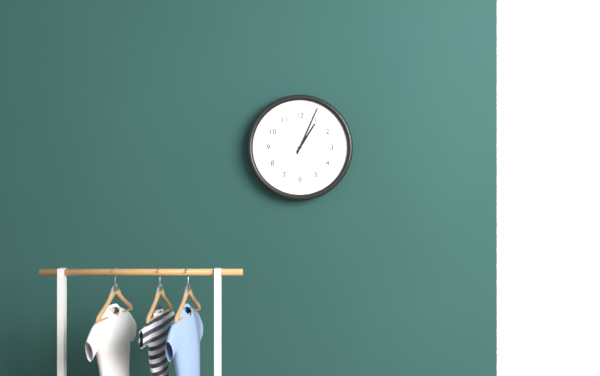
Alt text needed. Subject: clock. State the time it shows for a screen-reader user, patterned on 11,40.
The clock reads 1,04
